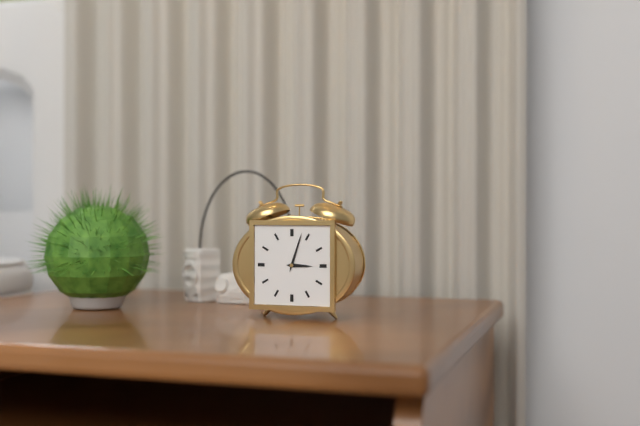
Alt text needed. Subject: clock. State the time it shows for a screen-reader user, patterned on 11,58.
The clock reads 3,03
